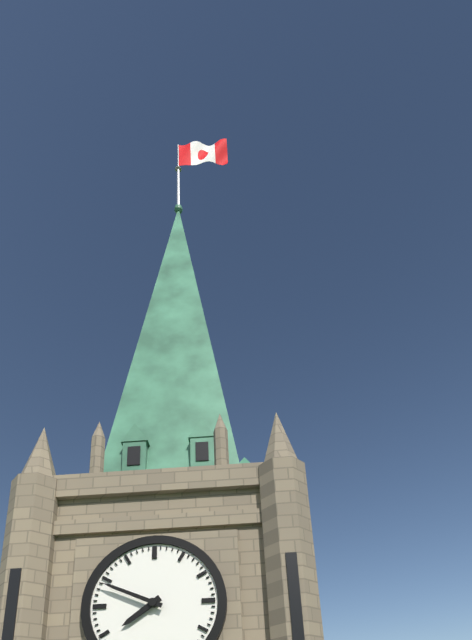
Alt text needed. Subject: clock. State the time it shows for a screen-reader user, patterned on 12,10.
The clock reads 7,49
